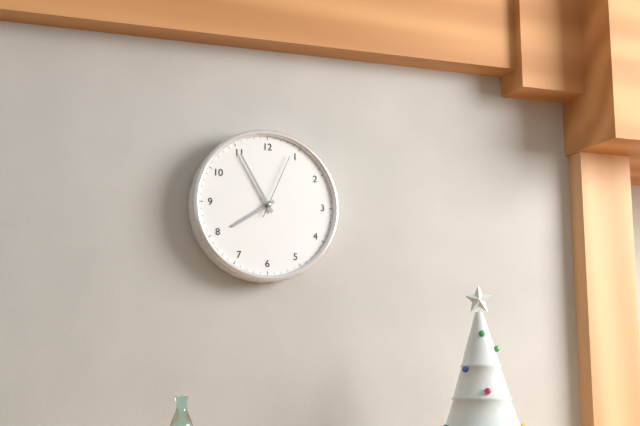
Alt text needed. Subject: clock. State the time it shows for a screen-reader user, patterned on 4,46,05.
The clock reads 7,55,04
